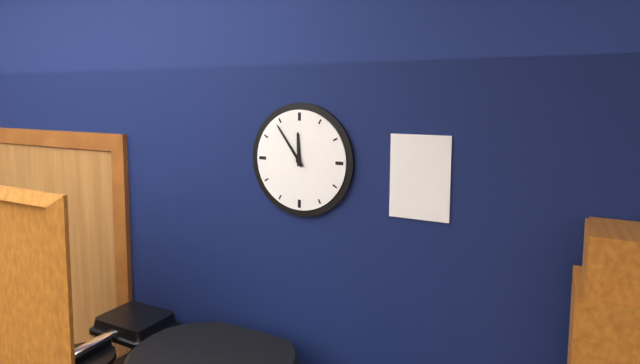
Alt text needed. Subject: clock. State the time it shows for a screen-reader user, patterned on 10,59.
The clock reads 11,54
